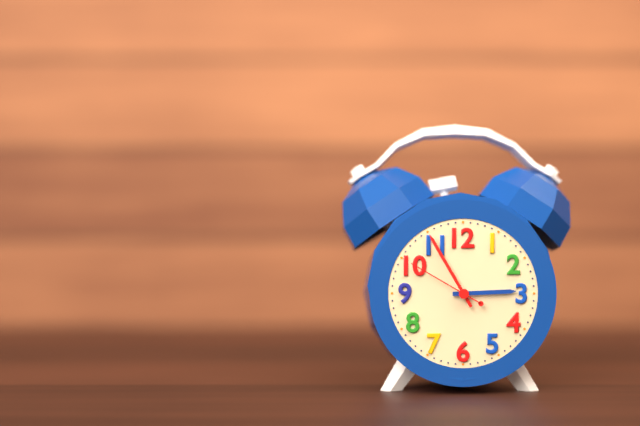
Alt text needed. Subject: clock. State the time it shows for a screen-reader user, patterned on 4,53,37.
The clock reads 2,55,50
